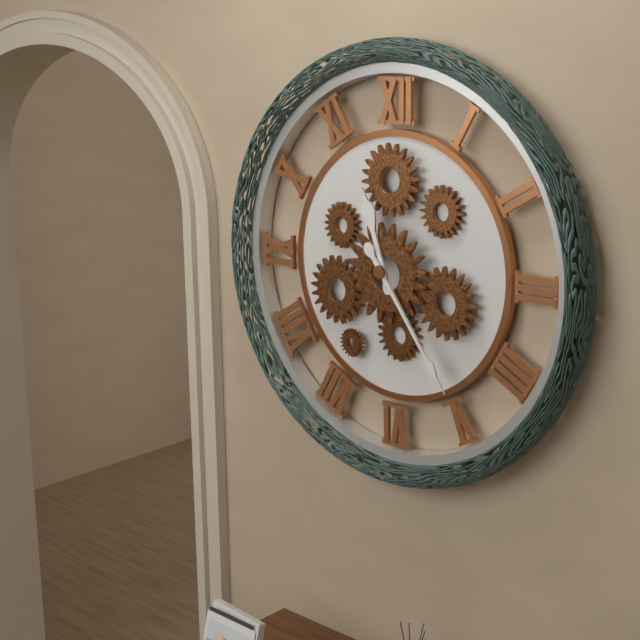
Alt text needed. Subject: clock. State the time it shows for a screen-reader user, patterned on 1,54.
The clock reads 11,24
